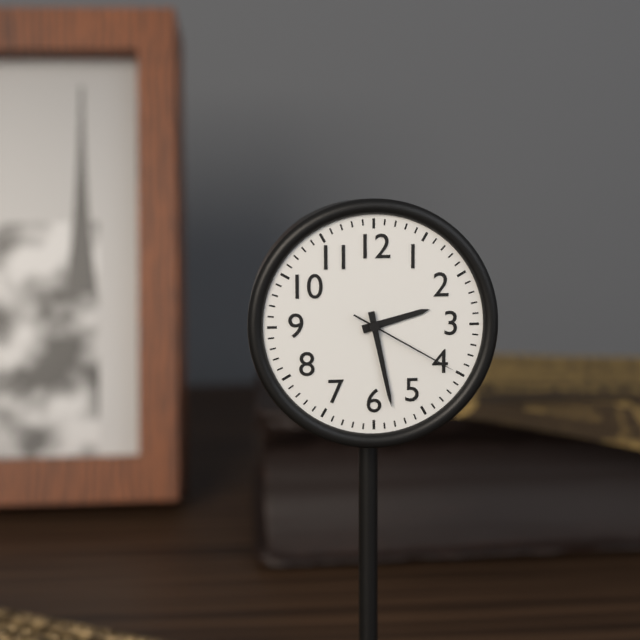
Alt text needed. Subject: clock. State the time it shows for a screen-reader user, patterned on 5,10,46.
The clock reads 2,28,20
